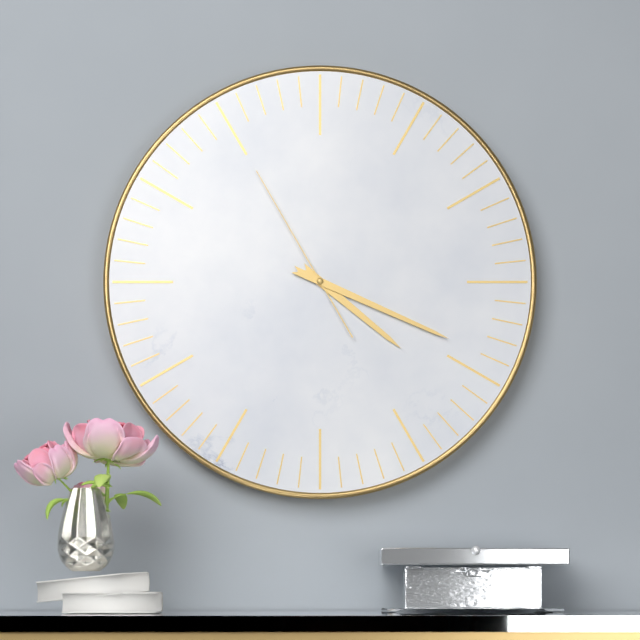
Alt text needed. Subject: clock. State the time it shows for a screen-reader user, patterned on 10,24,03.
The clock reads 4,19,55
